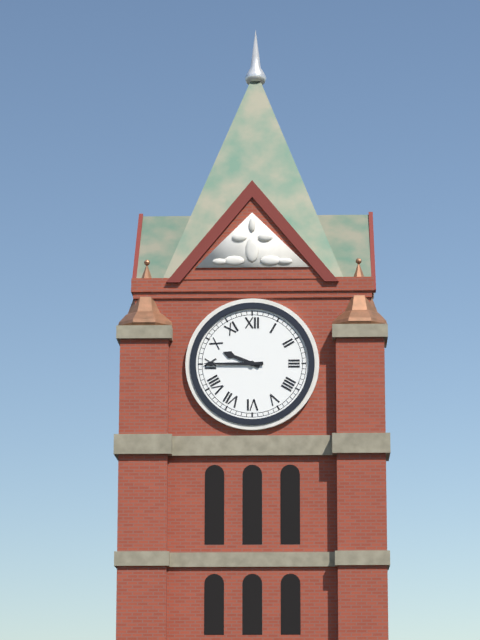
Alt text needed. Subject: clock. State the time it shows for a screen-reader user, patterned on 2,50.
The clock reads 9,45
